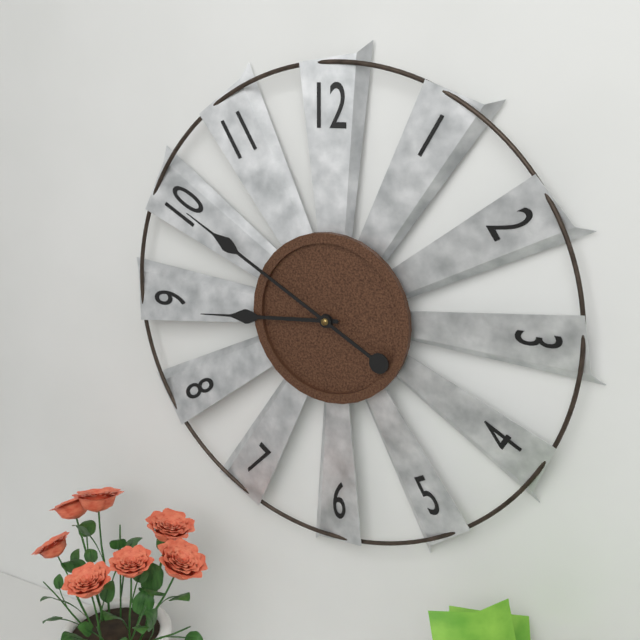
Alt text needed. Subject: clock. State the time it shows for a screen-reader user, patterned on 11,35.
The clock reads 8,50
